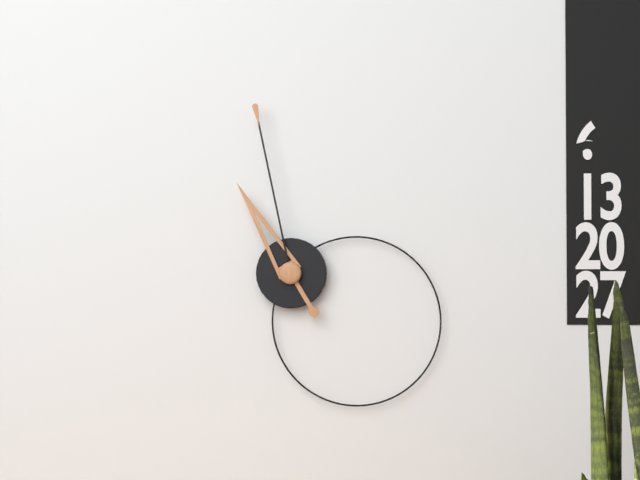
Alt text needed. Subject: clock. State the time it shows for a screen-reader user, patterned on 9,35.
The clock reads 10,58
